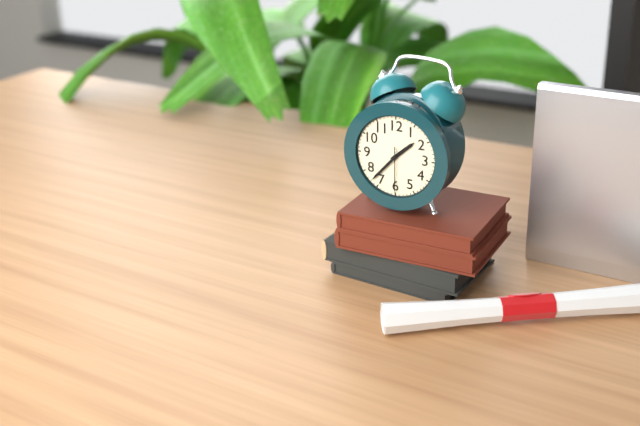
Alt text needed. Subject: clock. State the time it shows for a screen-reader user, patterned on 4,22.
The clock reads 1,37
